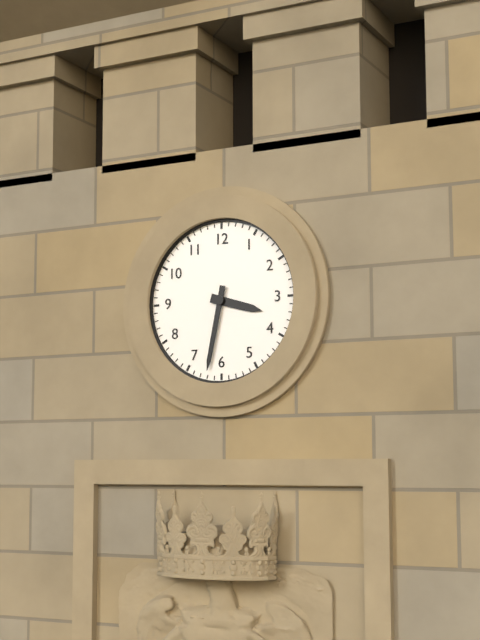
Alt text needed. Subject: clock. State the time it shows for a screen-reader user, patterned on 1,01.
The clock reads 3,32
